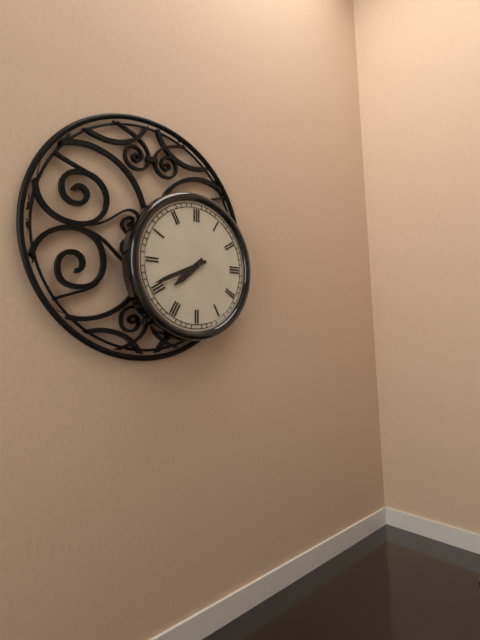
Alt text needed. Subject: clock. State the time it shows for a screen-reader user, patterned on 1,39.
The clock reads 7,41
